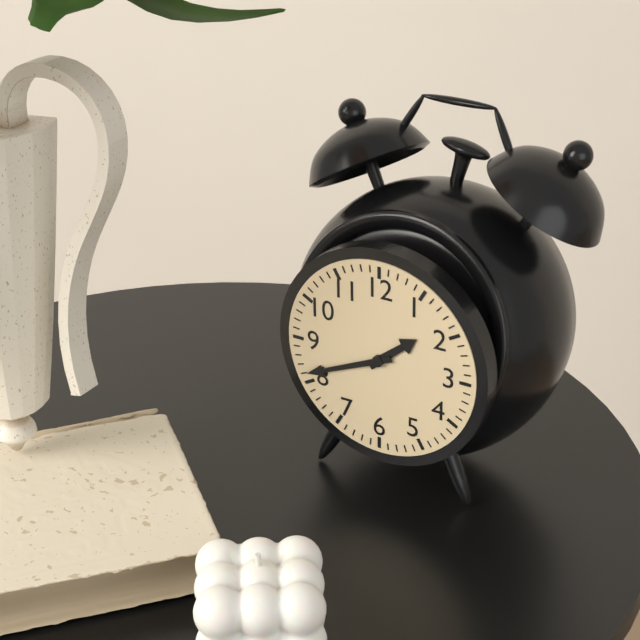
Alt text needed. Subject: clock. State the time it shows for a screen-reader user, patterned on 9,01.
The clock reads 1,41
